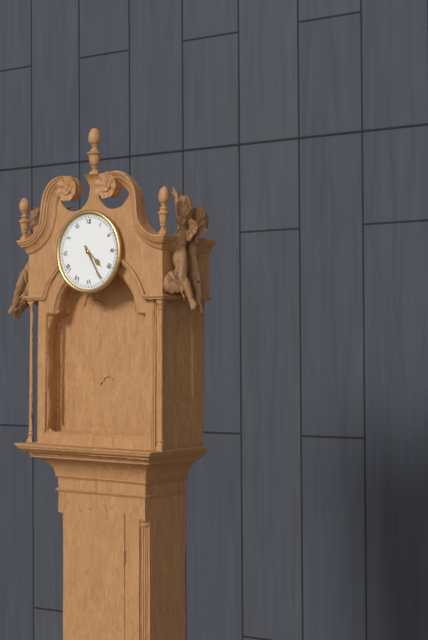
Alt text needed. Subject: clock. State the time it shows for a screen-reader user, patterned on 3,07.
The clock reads 4,25
